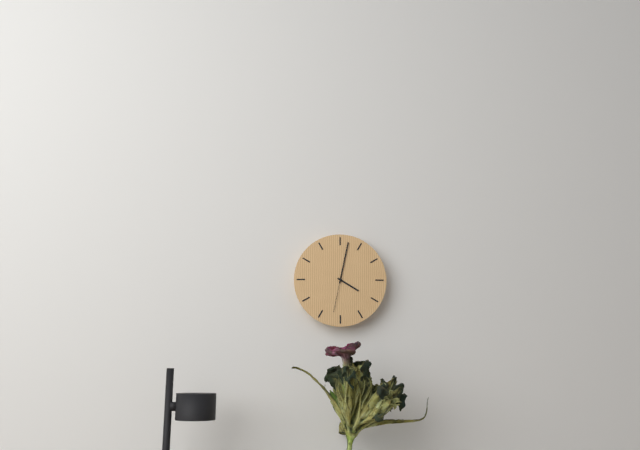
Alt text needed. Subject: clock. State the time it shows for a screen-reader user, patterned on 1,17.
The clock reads 4,02
